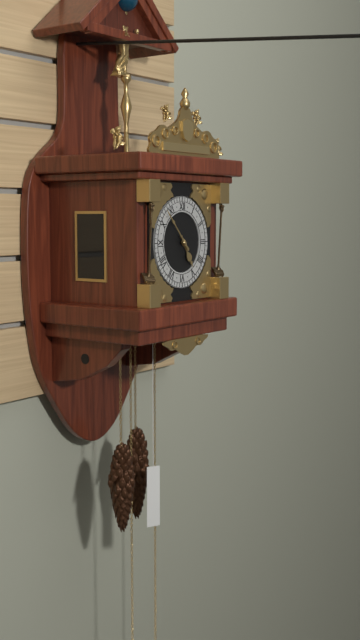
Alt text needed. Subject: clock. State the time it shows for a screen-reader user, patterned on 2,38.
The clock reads 4,53
